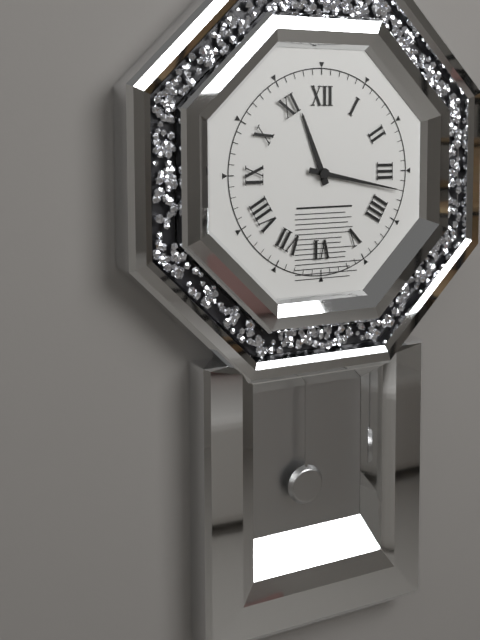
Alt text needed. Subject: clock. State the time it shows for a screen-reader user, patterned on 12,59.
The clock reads 11,17
